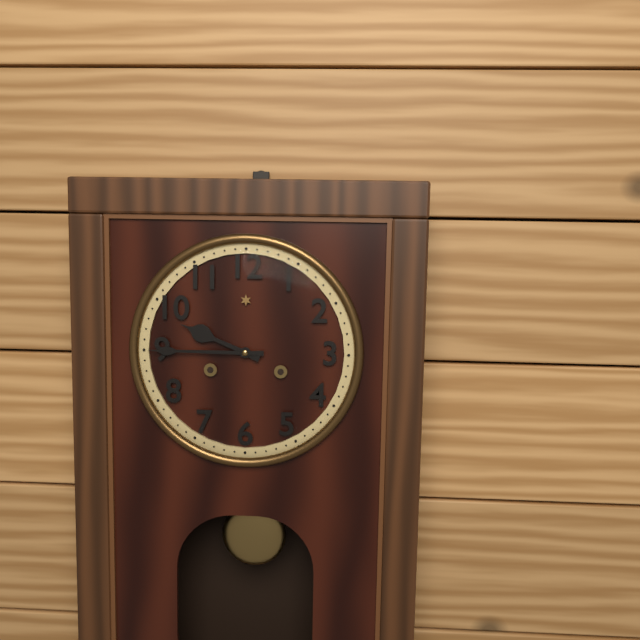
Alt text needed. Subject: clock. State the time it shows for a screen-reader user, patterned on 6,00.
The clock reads 9,45
